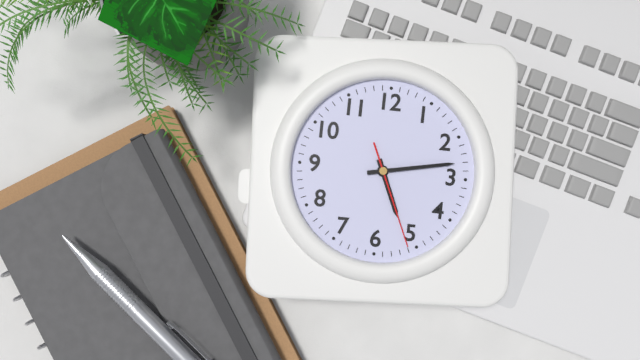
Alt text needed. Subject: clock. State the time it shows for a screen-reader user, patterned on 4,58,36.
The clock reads 5,13,26
